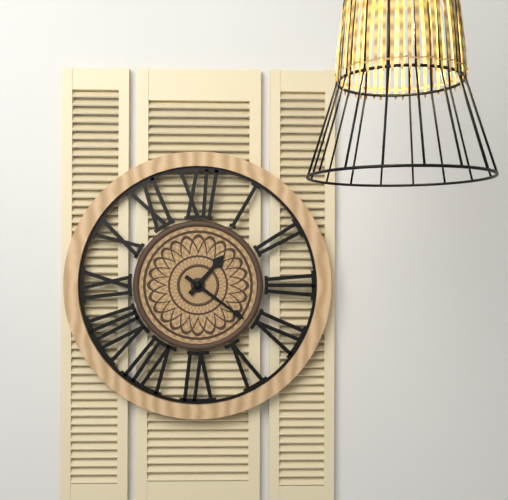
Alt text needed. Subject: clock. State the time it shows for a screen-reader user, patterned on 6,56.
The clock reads 1,21
